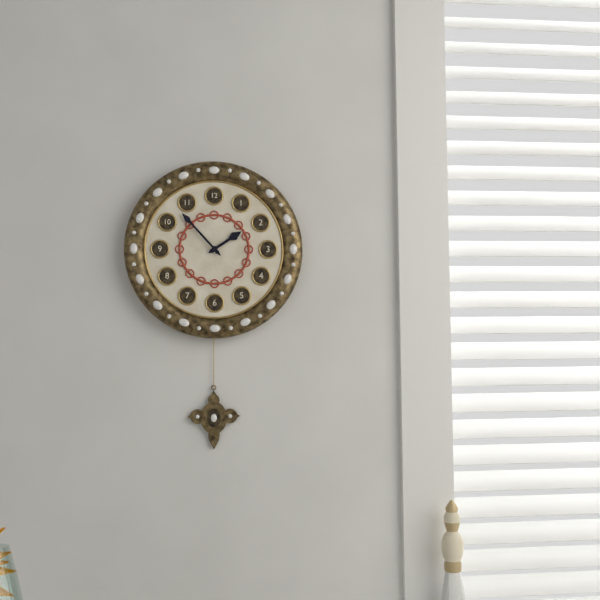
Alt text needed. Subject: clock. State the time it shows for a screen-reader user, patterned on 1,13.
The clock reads 1,53
